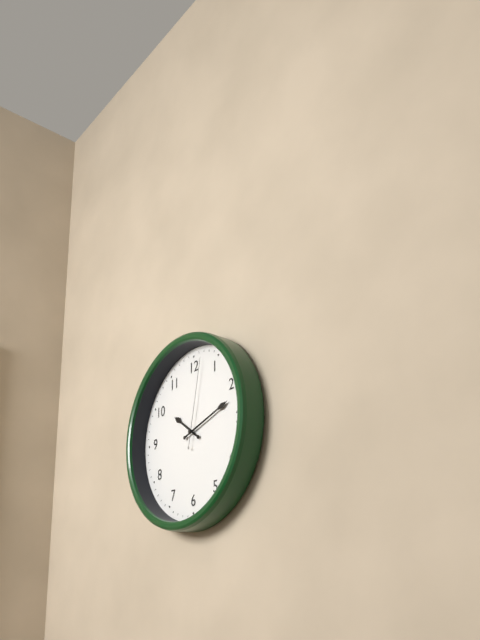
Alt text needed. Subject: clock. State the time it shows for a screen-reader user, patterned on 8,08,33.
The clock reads 10,12,02
